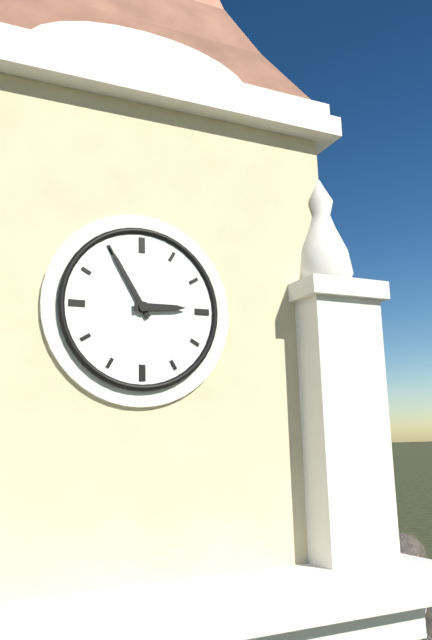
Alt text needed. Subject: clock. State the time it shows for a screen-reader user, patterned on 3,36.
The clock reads 2,55
